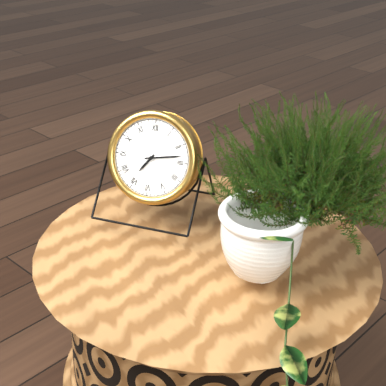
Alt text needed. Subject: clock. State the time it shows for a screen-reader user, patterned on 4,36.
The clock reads 7,13
